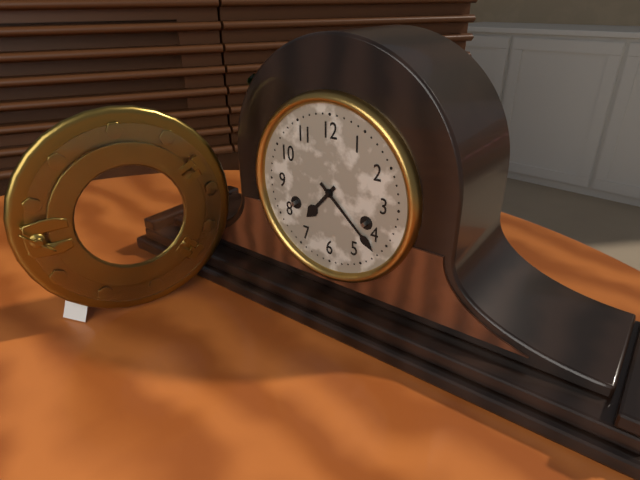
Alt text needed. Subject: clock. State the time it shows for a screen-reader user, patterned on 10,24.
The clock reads 7,22
